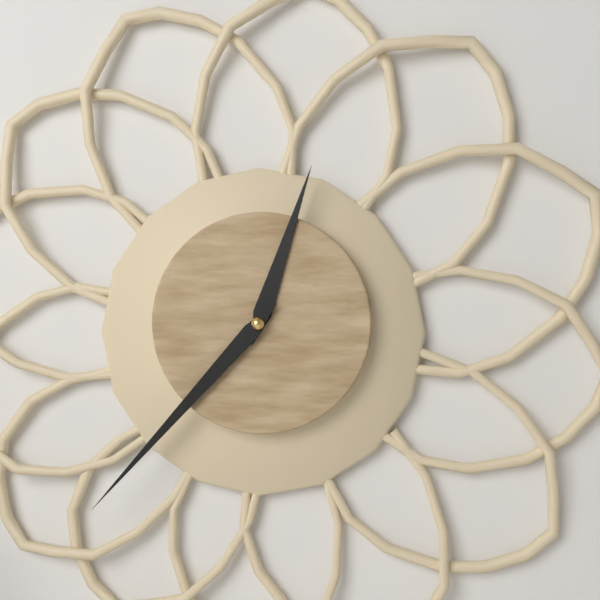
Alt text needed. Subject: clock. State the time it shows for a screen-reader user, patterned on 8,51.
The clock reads 12,37
